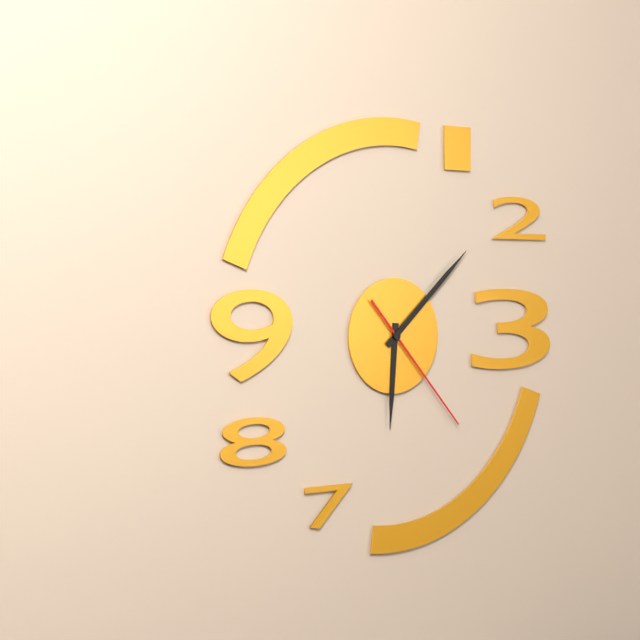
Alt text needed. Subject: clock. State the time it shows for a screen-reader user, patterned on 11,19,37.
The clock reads 6,08,23
